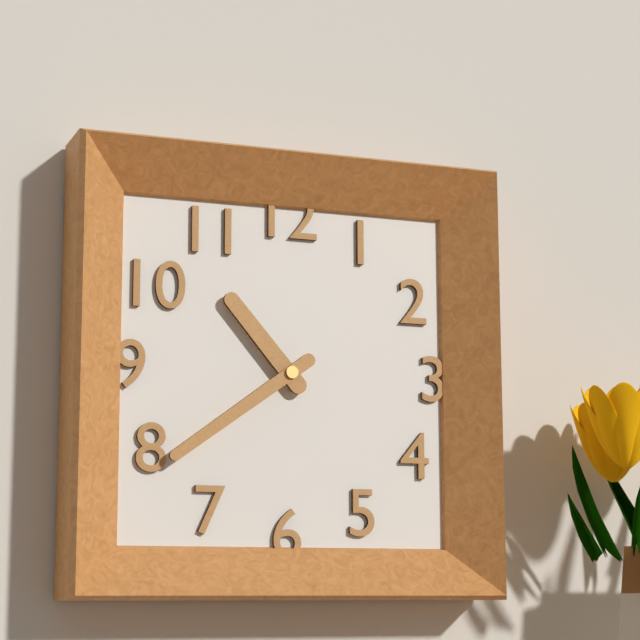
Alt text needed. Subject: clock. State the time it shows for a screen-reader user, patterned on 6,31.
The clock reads 10,39
